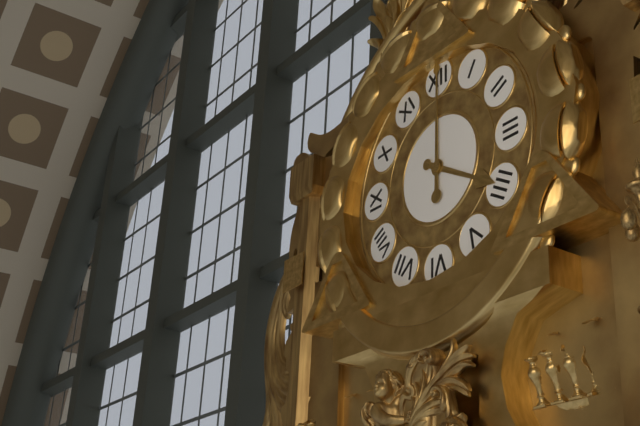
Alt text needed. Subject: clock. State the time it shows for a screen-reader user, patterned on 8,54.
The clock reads 4,00
